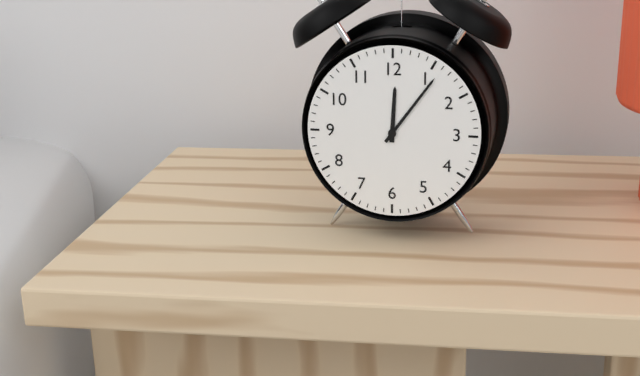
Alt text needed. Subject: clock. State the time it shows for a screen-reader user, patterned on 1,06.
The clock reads 12,06
